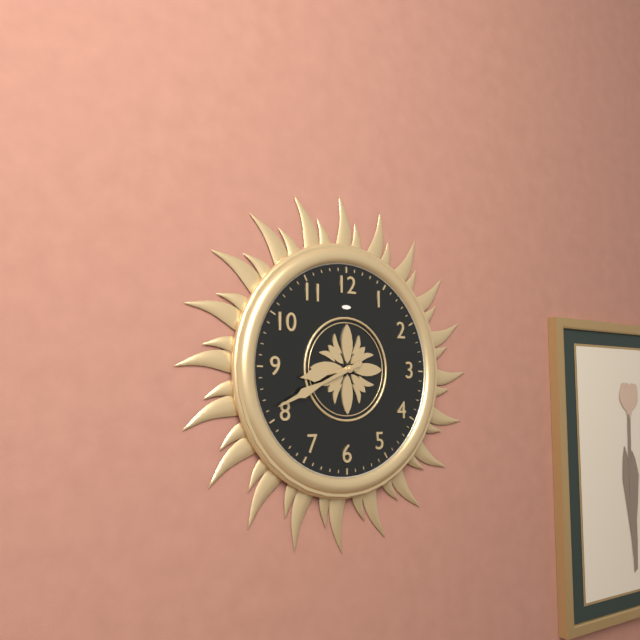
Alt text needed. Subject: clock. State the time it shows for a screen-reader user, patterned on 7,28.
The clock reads 8,41
